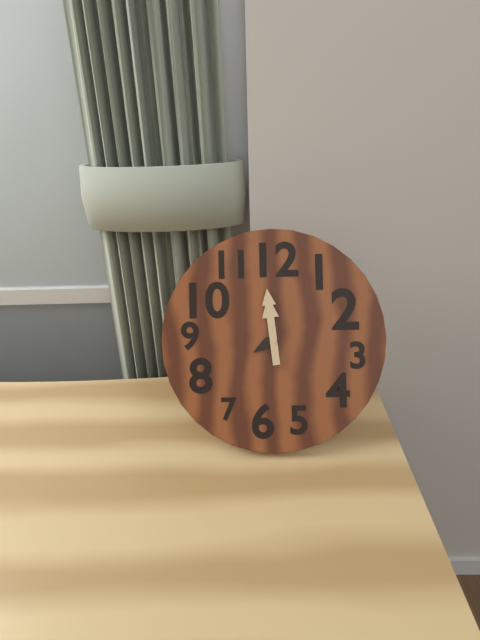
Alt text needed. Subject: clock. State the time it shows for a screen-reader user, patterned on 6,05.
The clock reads 7,59
